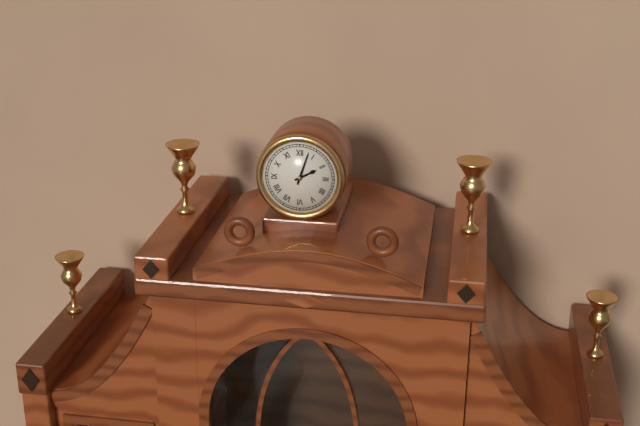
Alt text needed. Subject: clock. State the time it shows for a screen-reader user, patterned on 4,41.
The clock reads 2,03
